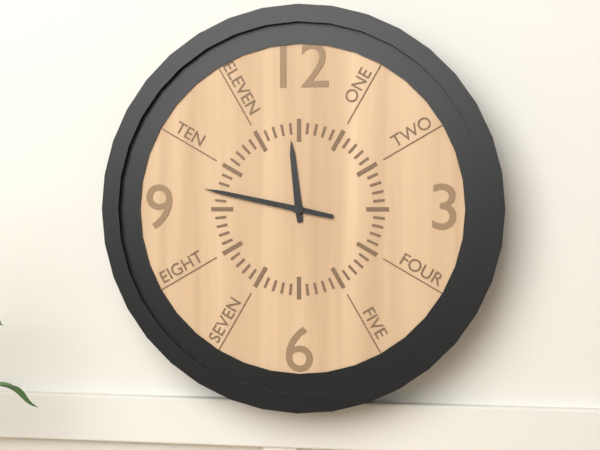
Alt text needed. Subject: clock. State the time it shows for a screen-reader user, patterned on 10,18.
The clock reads 11,47
